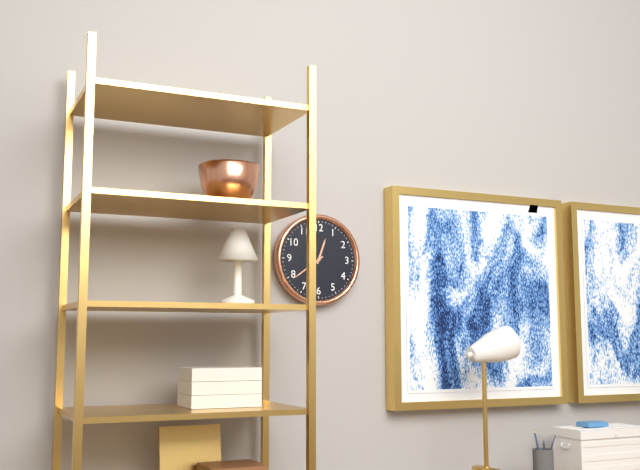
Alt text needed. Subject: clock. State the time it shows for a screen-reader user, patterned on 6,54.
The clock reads 12,39
